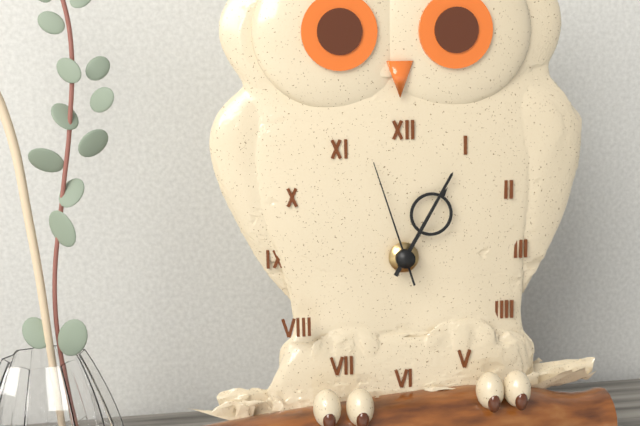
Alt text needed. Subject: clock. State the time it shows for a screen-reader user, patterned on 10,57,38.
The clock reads 1,05,57
